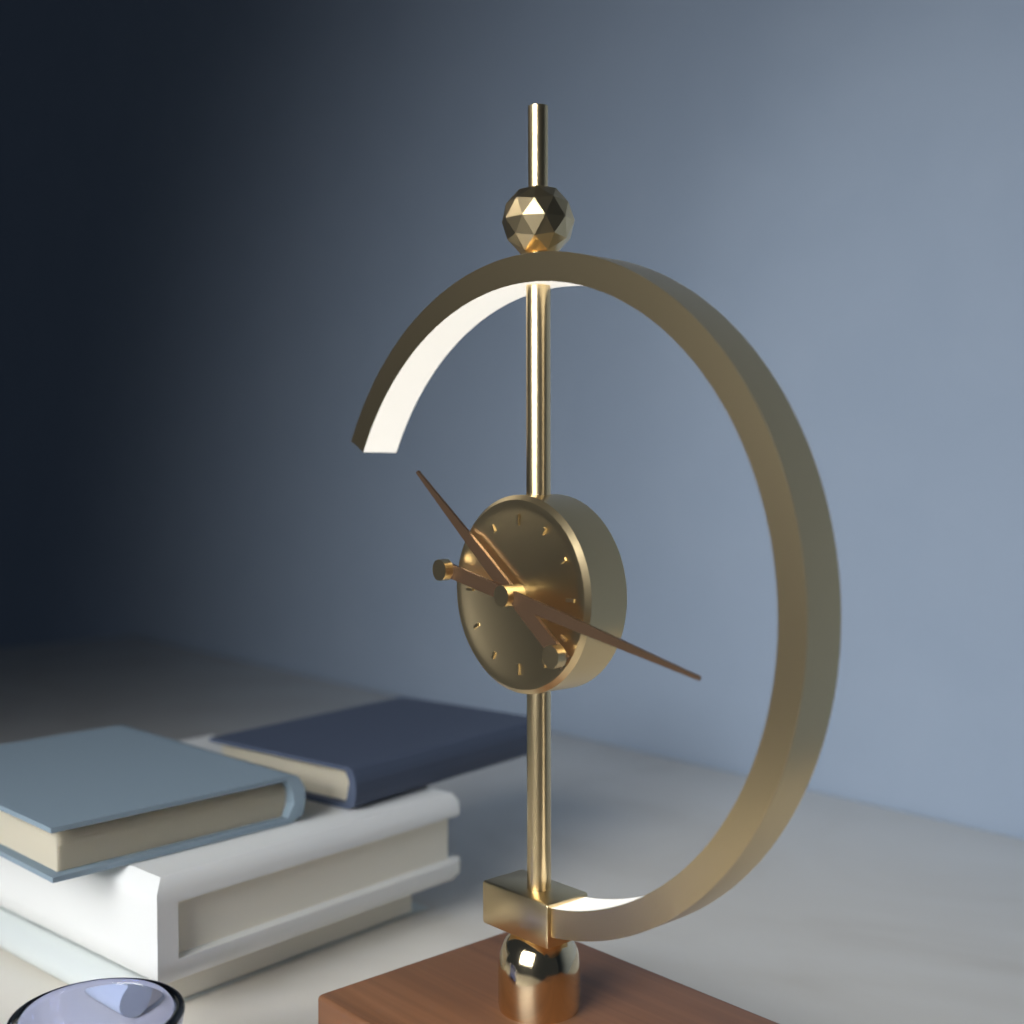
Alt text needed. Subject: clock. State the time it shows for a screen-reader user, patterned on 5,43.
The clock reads 10,17
